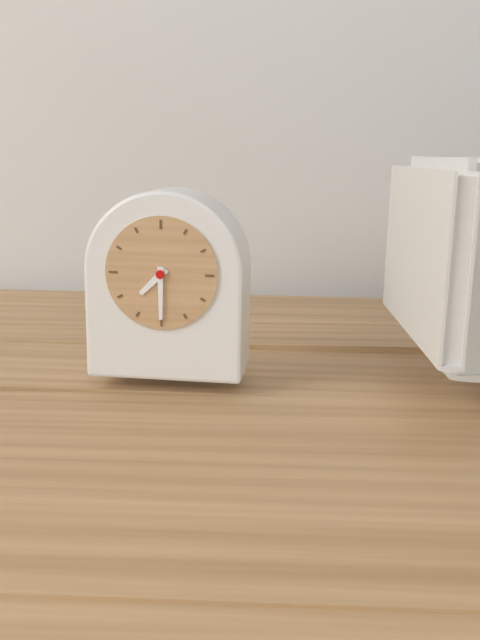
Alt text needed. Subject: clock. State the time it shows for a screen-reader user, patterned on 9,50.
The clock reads 7,30
